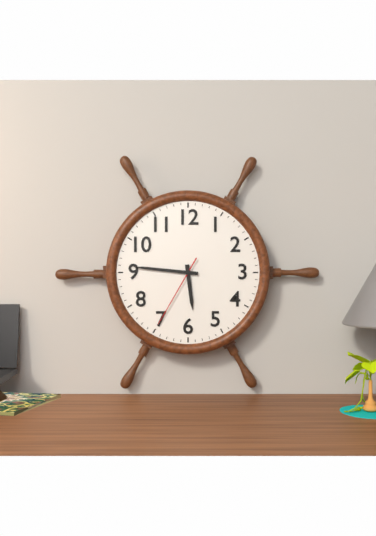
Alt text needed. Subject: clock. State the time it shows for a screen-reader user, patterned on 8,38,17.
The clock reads 5,46,35
